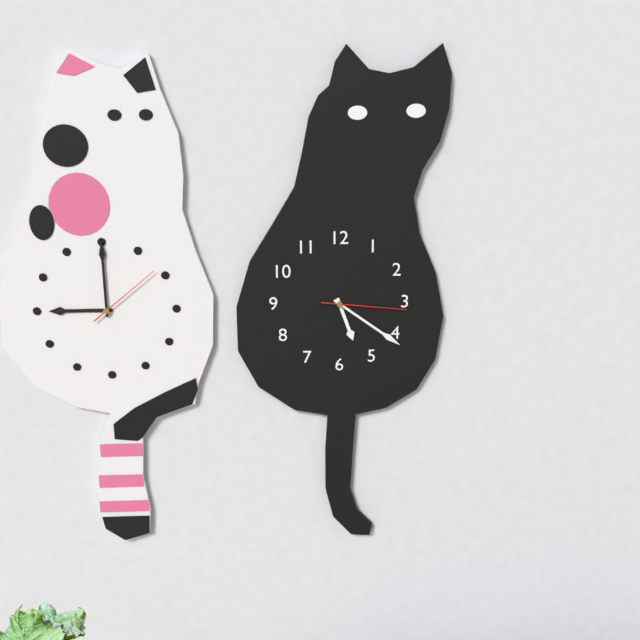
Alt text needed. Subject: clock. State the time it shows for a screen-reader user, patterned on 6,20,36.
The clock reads 5,21,16
